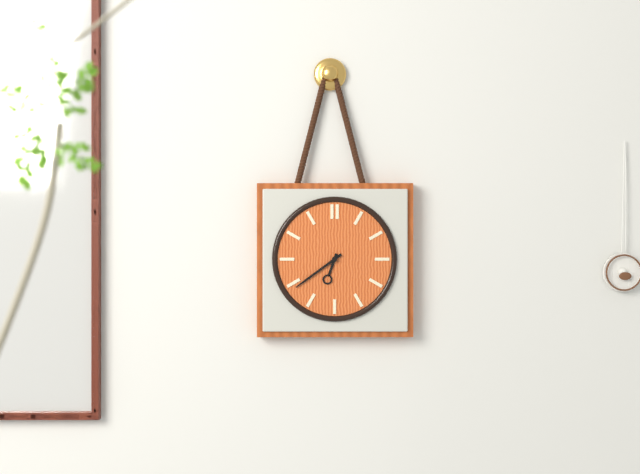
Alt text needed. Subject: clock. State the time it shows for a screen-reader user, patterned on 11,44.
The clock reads 6,39
